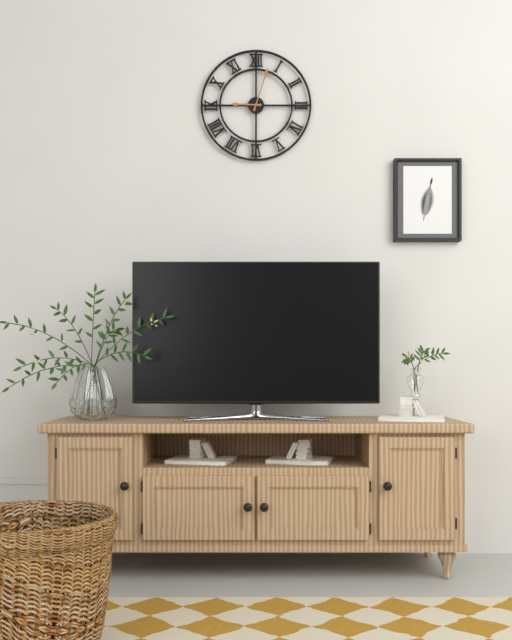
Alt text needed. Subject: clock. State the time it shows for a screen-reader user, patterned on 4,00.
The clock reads 9,03
